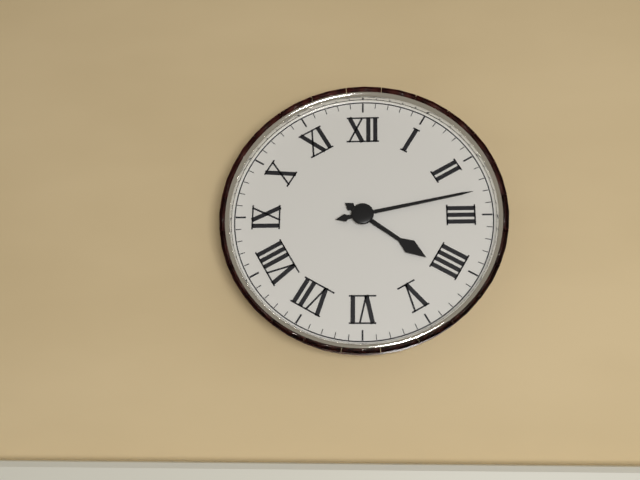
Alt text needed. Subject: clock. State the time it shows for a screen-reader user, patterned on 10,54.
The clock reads 4,13
